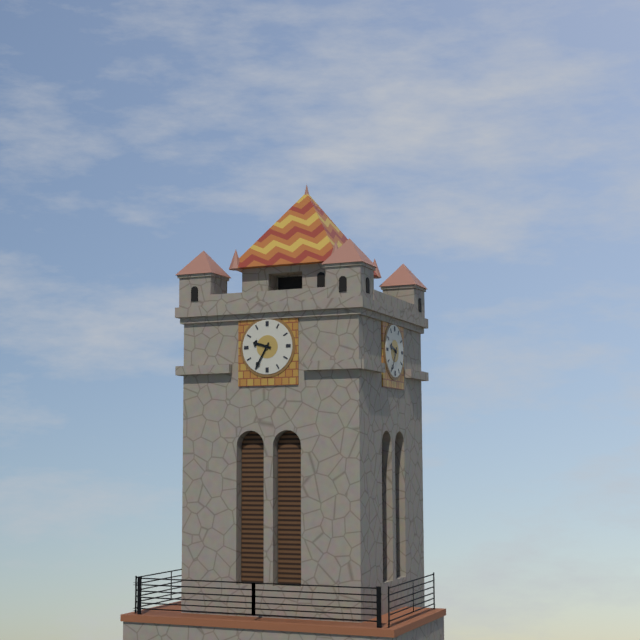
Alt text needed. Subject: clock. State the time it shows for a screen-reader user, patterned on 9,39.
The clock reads 9,35
